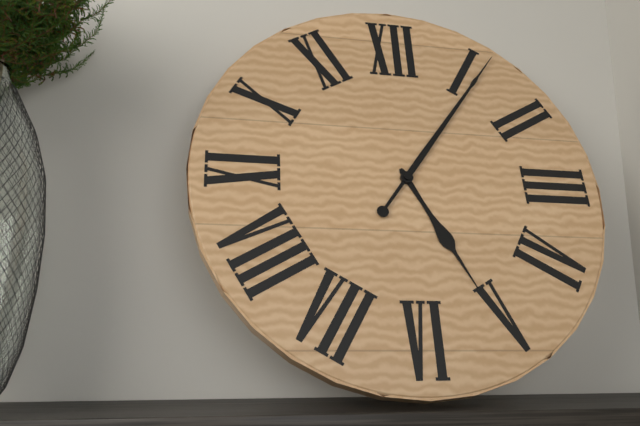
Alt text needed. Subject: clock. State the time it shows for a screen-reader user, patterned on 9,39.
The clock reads 5,06
